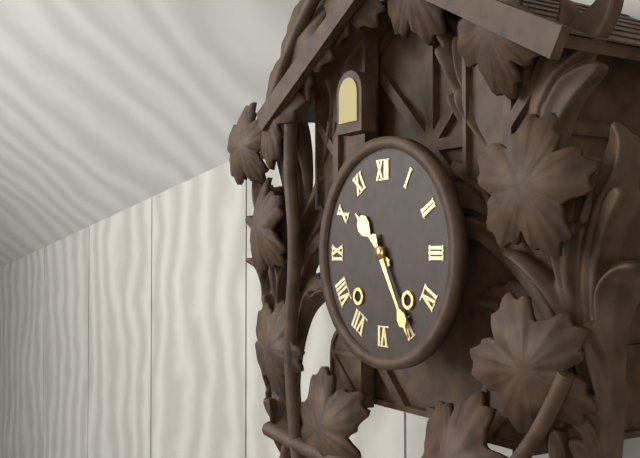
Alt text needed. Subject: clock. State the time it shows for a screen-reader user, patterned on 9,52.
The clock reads 10,25
